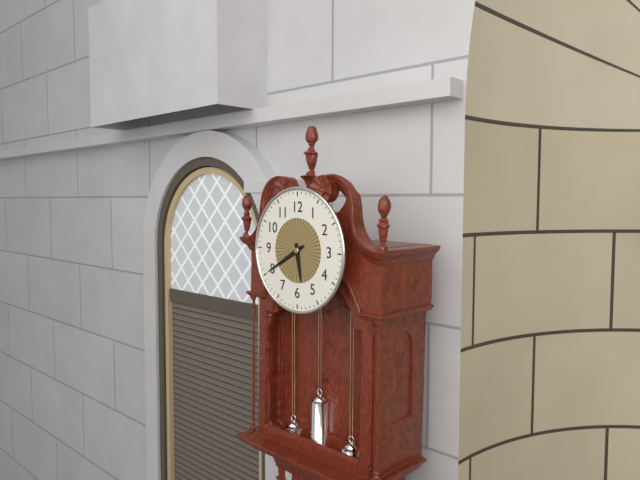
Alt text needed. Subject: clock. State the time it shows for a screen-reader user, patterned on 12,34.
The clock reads 5,40
